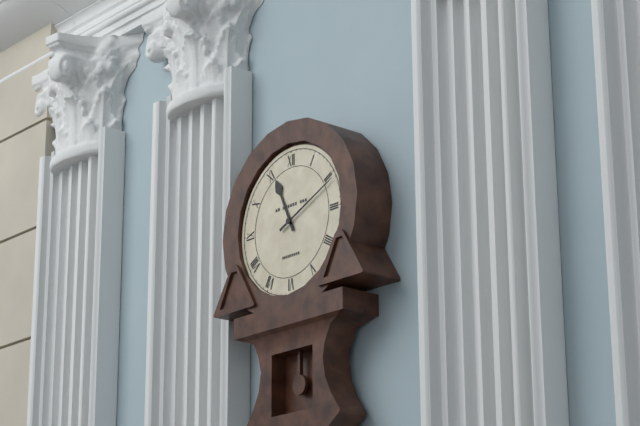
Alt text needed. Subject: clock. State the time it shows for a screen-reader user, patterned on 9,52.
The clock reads 11,11
